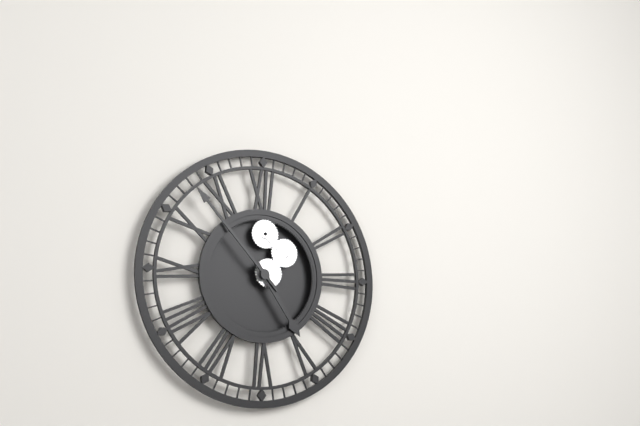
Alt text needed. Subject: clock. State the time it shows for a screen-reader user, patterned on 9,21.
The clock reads 4,53
